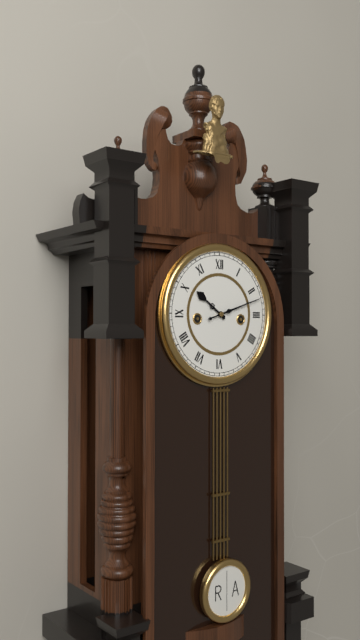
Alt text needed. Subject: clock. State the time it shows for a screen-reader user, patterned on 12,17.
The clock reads 10,12
